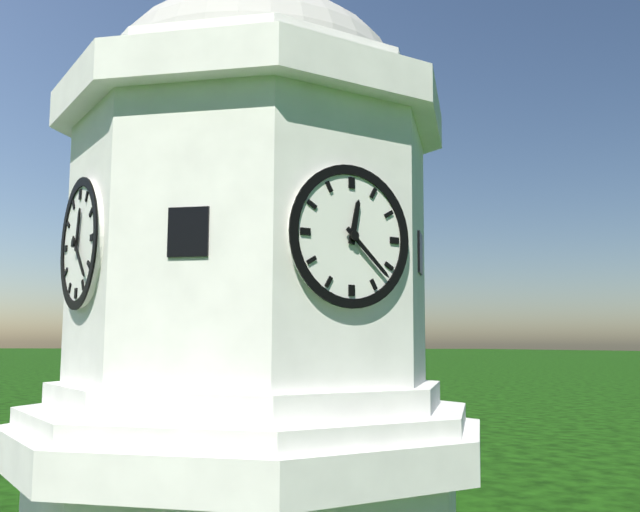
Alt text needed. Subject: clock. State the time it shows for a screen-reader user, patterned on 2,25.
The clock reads 12,22
